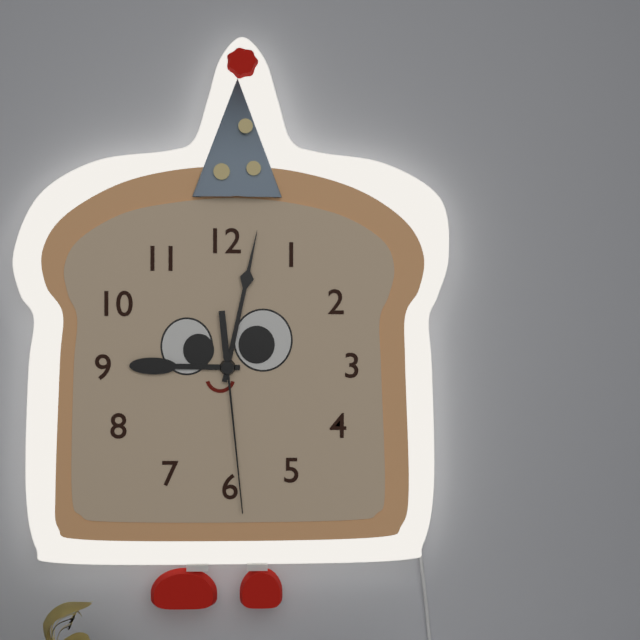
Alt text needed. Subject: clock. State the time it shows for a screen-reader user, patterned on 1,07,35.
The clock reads 9,02,29
